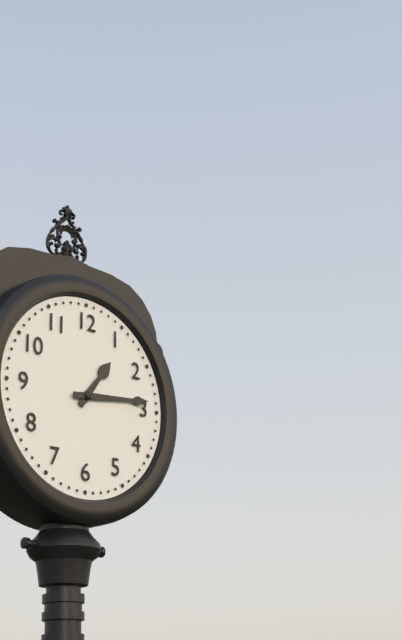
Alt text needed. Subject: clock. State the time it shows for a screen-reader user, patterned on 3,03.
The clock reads 1,14
